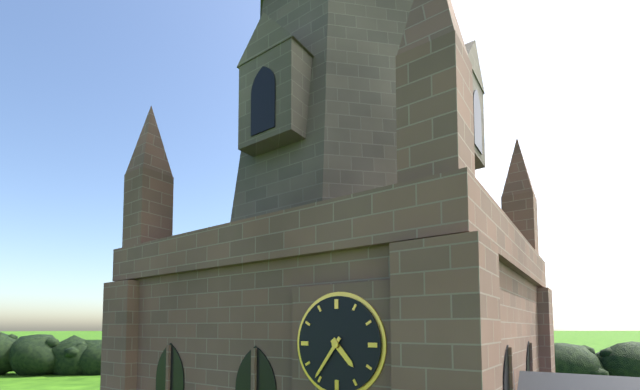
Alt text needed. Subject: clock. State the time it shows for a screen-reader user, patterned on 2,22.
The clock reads 4,36
